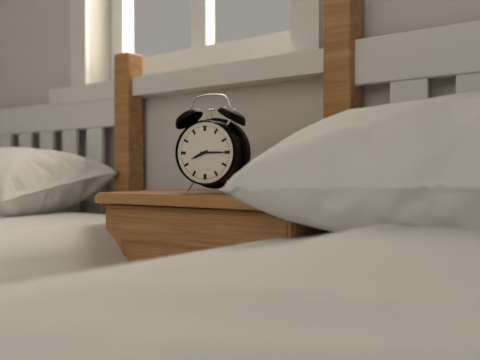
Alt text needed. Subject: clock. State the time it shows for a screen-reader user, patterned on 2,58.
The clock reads 8,15
